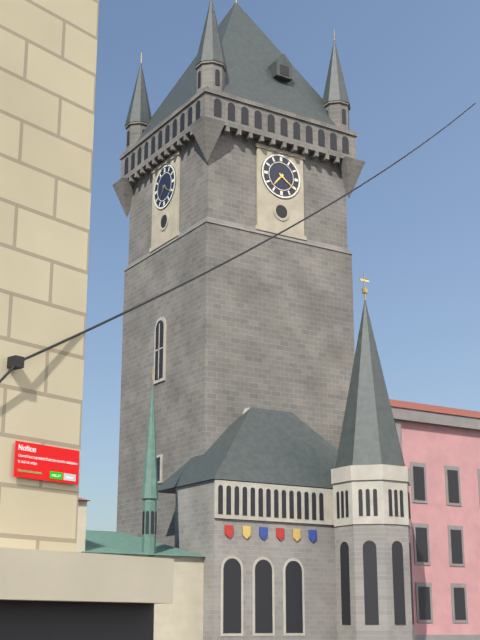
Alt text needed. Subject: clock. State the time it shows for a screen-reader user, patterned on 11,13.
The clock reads 7,21
